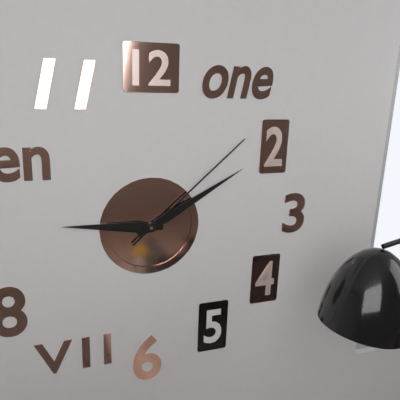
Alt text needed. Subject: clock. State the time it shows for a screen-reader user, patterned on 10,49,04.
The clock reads 9,10,08
